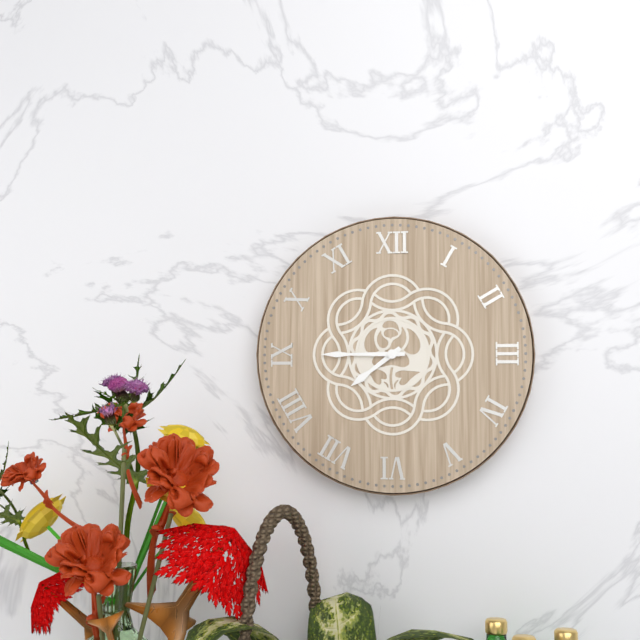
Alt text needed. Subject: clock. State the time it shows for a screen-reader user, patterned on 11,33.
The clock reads 7,45
